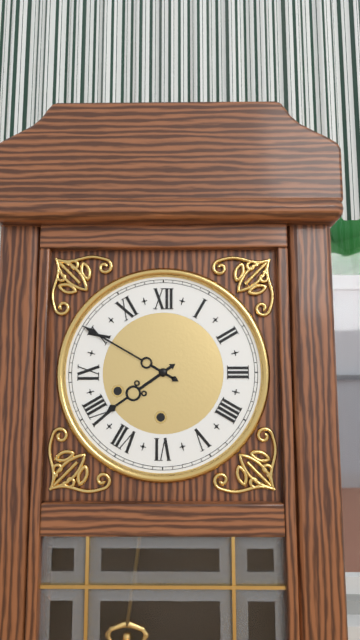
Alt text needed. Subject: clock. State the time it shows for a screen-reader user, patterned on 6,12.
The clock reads 7,50
